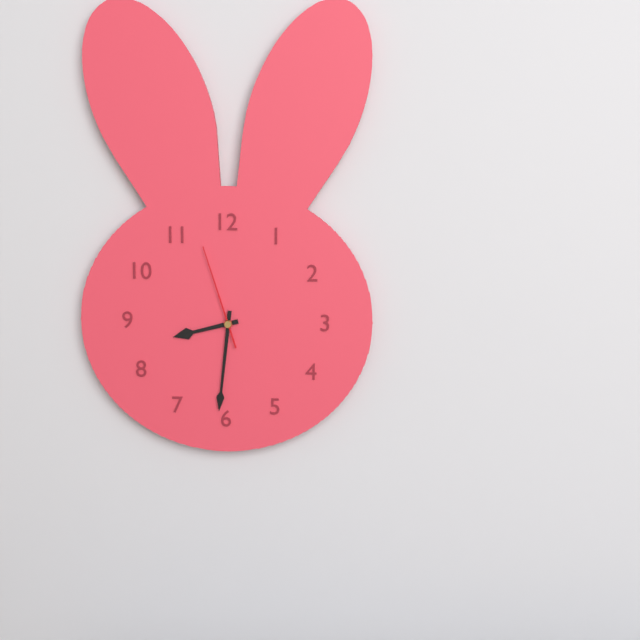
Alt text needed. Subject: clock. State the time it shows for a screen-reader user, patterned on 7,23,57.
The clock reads 8,31,57
